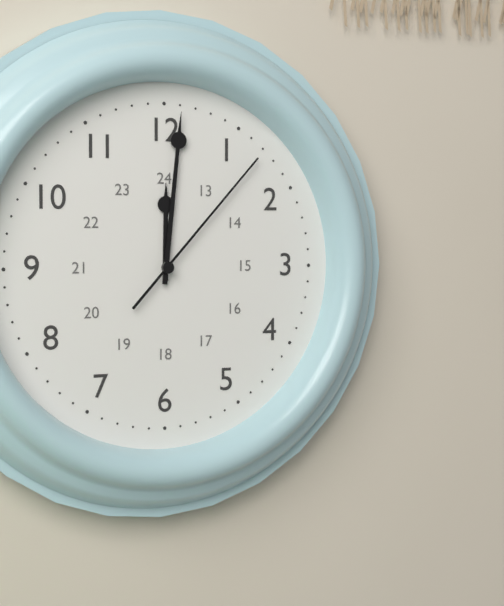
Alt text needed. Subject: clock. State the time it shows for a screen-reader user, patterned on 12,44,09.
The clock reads 12,01,07
